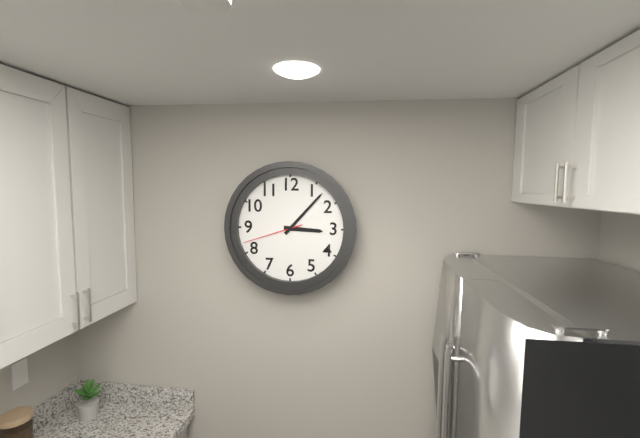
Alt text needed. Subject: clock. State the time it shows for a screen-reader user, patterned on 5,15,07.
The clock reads 3,07,42
